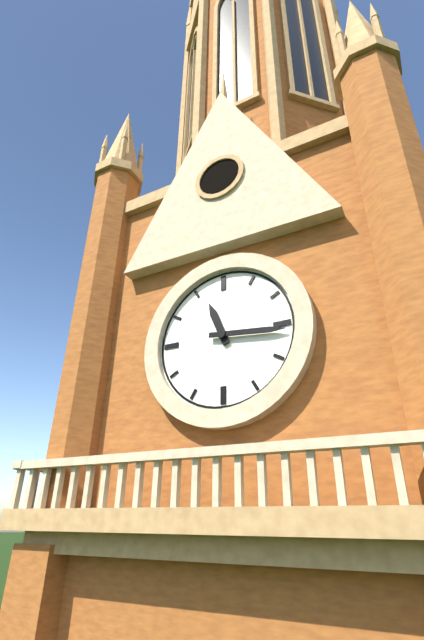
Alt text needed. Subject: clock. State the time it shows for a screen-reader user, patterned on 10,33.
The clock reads 11,16
